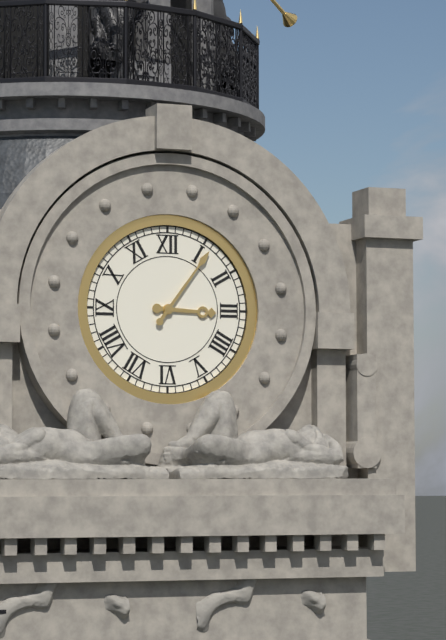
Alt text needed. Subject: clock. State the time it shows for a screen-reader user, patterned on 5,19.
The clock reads 3,06
